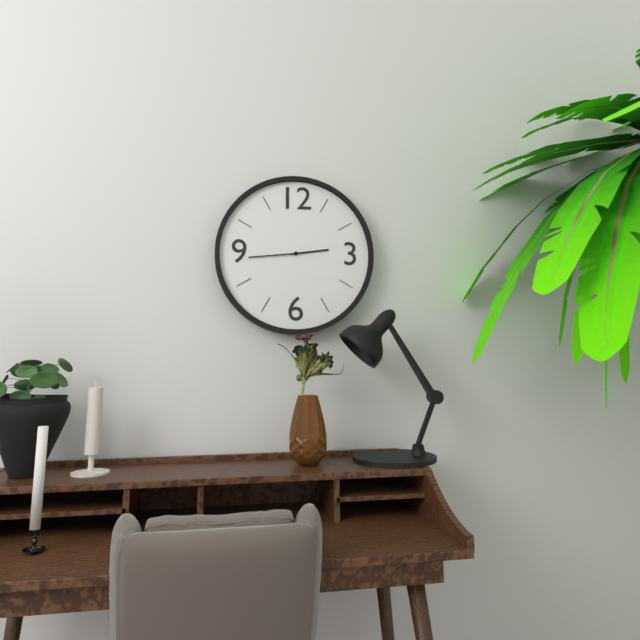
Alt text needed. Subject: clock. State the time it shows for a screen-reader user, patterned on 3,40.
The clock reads 2,44
